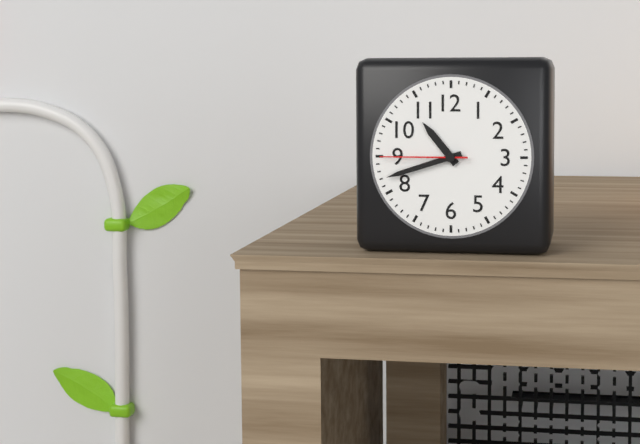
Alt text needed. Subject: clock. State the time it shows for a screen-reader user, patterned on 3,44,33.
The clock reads 10,42,45
